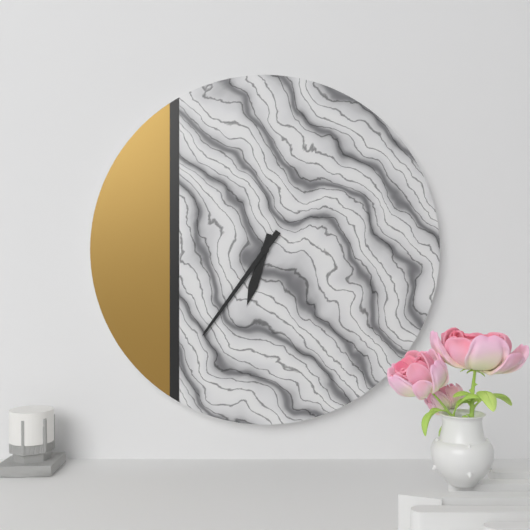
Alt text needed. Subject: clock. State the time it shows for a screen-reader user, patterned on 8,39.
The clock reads 6,36
